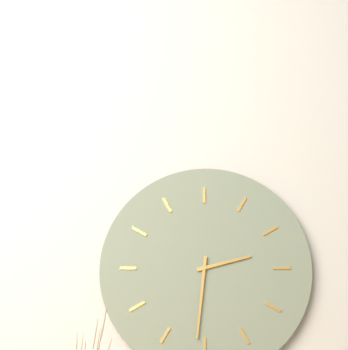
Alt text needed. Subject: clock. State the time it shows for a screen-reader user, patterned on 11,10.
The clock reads 2,31
